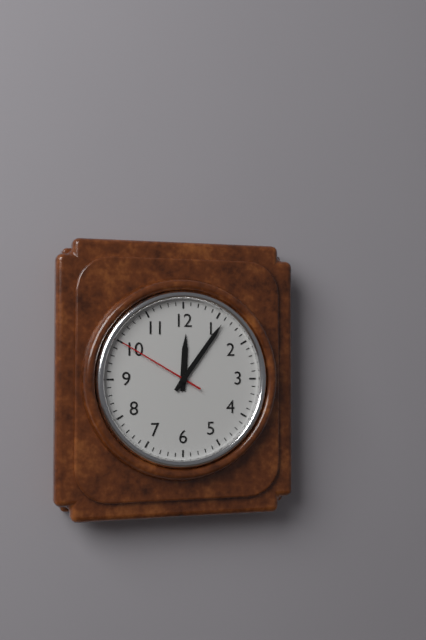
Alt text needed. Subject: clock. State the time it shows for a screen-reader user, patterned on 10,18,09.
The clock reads 12,06,50
